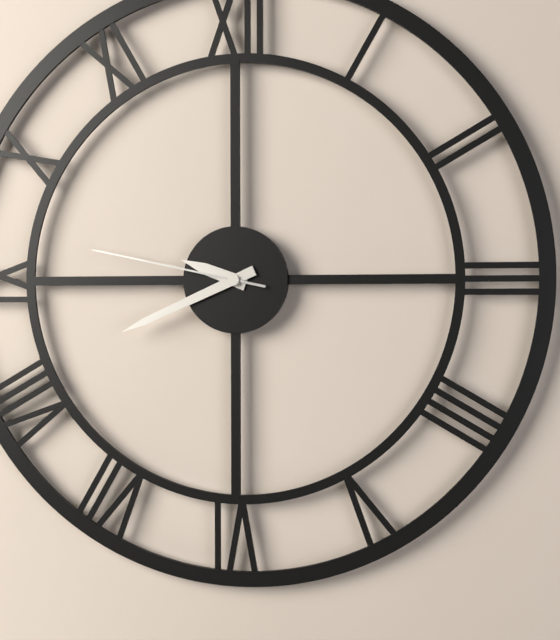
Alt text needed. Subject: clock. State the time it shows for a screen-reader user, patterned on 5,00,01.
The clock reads 9,41,47
